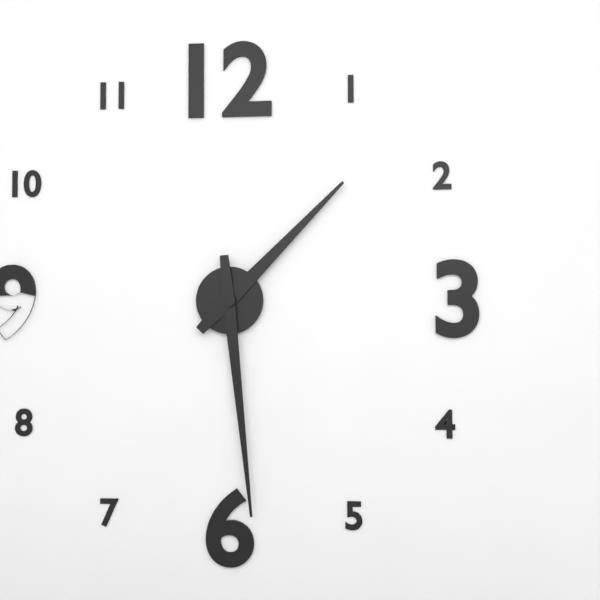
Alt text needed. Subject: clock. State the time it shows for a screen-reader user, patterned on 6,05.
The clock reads 1,29
